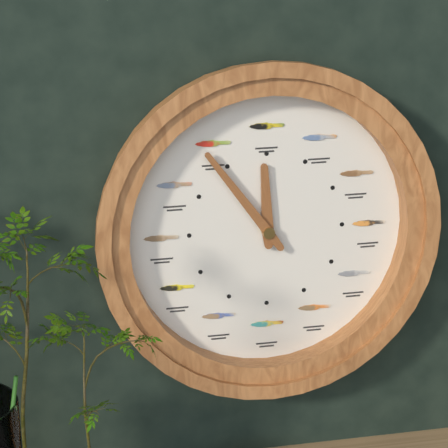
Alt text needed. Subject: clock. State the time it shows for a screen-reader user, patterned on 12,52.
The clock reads 11,54
